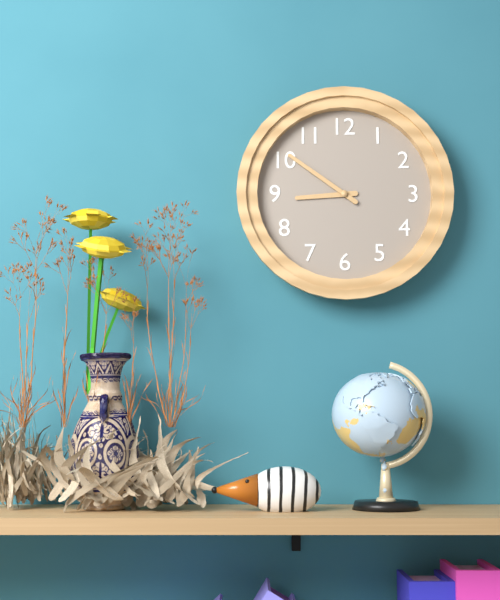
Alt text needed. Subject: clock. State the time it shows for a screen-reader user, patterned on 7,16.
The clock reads 8,51
